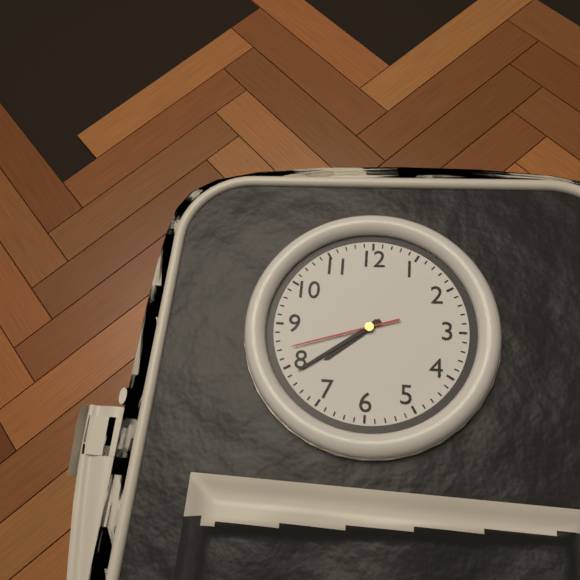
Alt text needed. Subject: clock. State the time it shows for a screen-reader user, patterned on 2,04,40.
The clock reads 7,39,42
